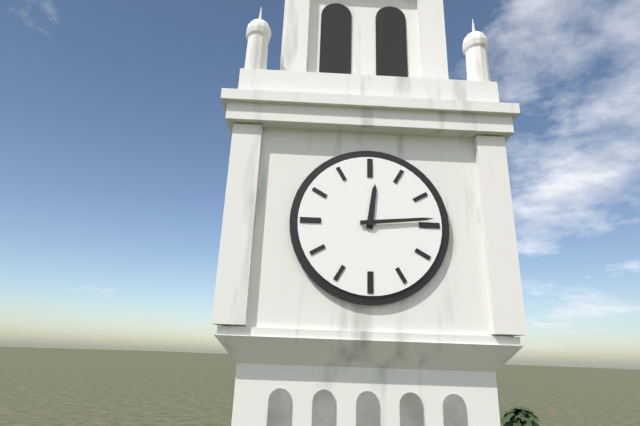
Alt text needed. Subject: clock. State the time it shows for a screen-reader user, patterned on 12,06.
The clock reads 12,14
